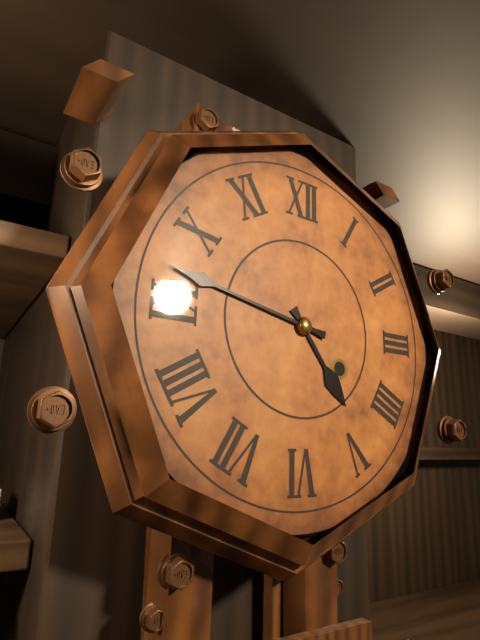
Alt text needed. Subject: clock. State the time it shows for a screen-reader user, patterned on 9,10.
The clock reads 4,47
